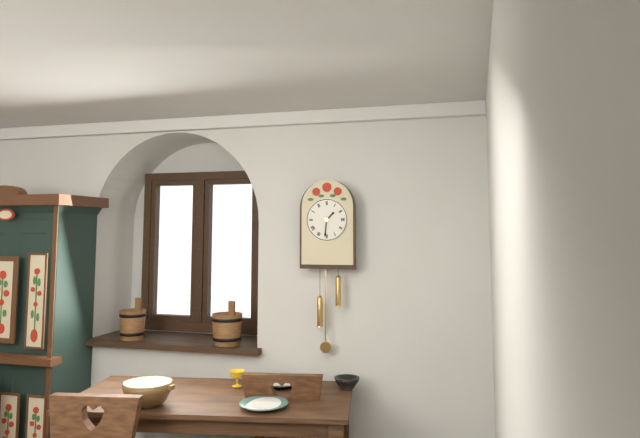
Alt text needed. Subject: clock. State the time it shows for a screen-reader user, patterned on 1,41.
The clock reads 1,31
